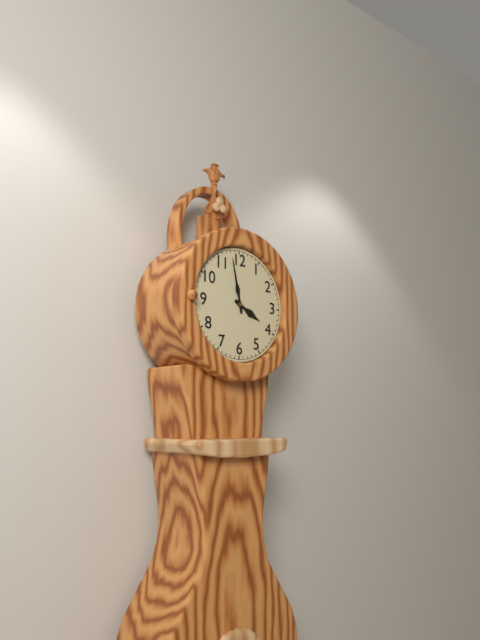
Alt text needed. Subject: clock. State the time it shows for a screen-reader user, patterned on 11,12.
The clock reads 3,58
